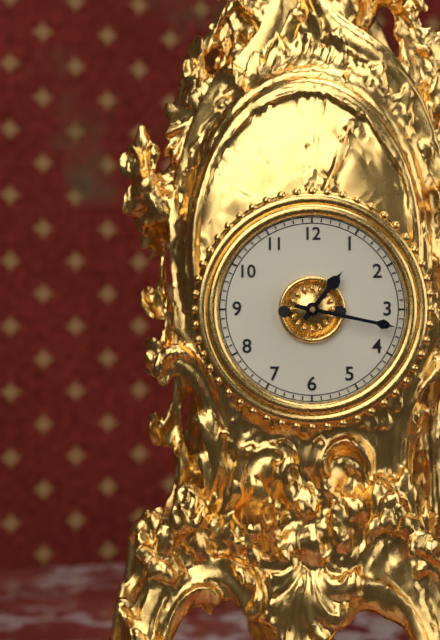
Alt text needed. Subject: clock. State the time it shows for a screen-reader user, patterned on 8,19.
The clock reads 1,17
